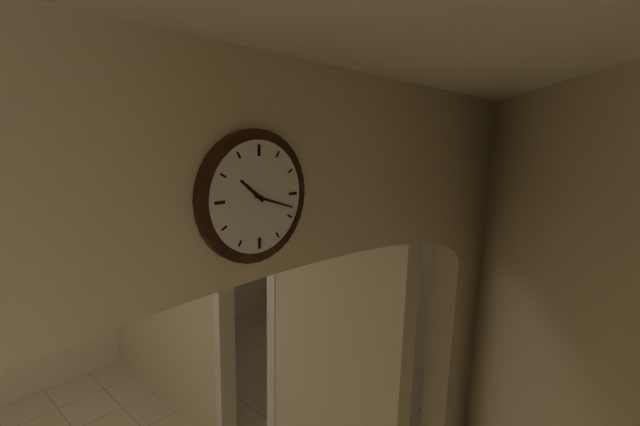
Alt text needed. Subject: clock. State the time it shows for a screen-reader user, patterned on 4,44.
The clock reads 10,18
